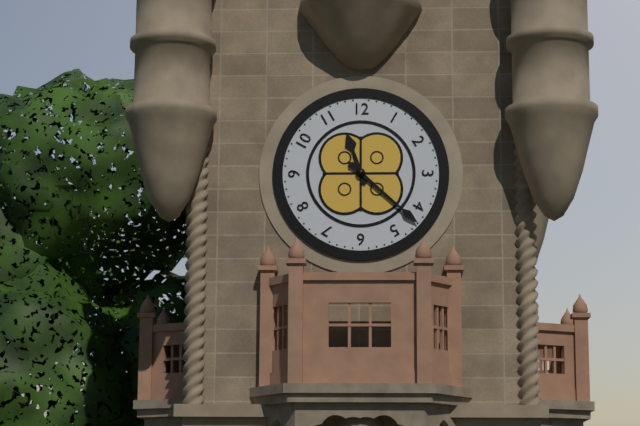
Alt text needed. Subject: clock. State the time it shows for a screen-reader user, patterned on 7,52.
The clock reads 11,22
